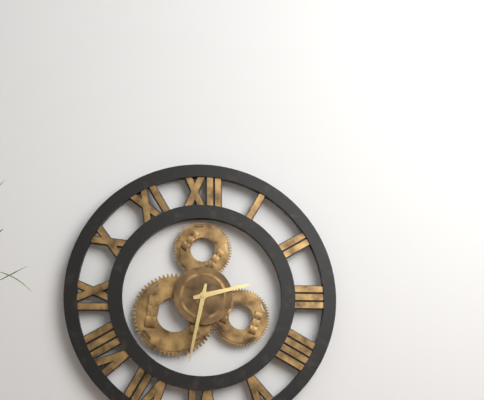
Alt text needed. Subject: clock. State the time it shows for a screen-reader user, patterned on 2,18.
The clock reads 2,32
